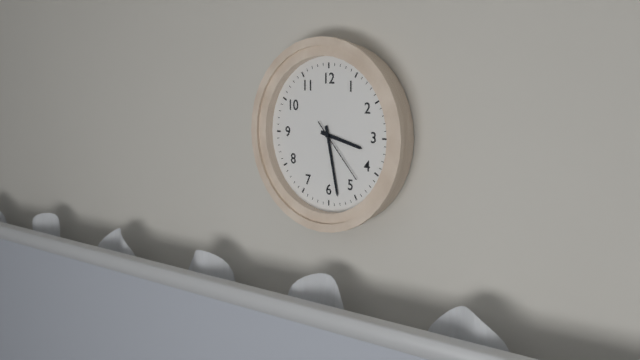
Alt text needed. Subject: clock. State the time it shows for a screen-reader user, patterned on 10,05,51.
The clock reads 3,28,23
